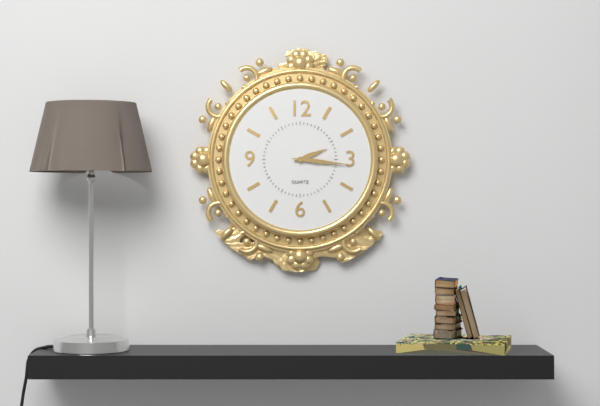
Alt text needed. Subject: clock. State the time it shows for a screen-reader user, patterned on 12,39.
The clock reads 2,16
